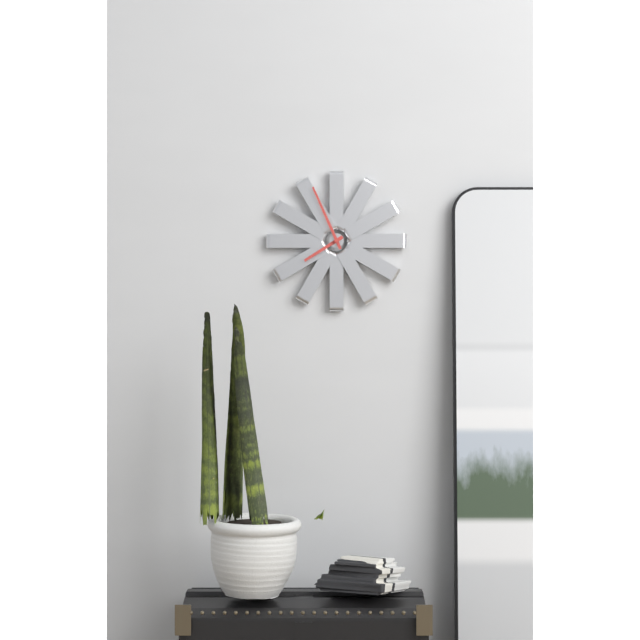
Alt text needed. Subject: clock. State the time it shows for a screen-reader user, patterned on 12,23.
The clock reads 7,56
